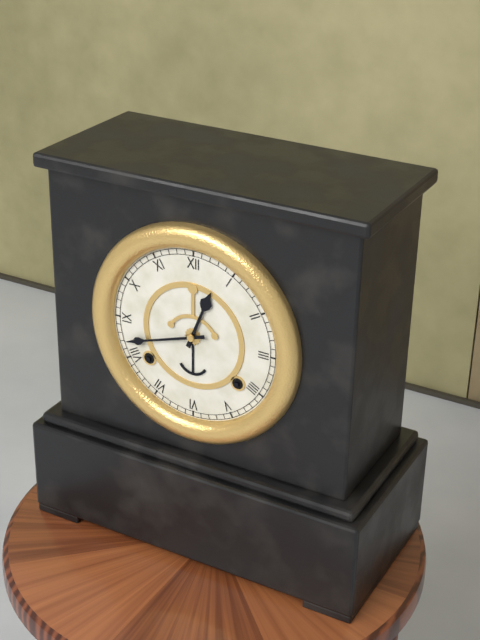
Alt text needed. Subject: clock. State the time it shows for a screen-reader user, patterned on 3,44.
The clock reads 12,42
